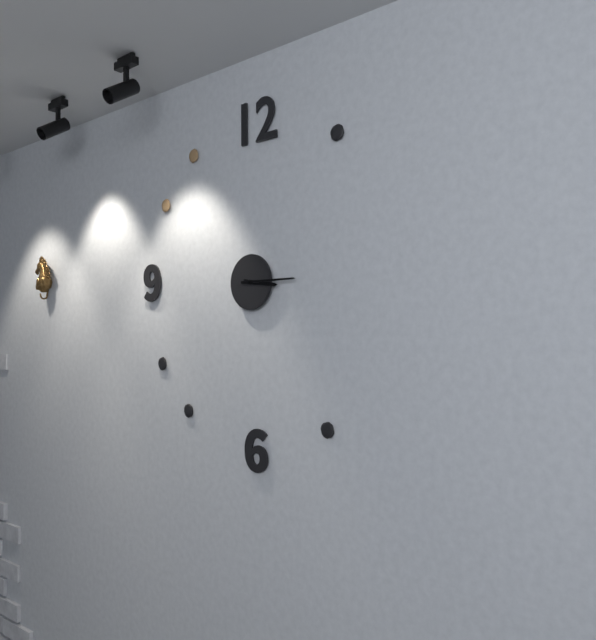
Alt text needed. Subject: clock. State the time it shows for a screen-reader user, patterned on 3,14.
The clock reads 3,15
